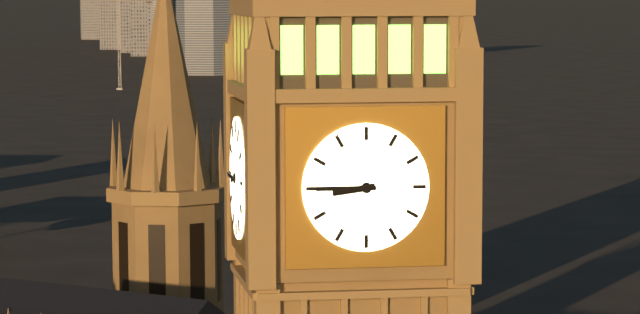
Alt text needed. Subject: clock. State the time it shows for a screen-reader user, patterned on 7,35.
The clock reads 8,45
